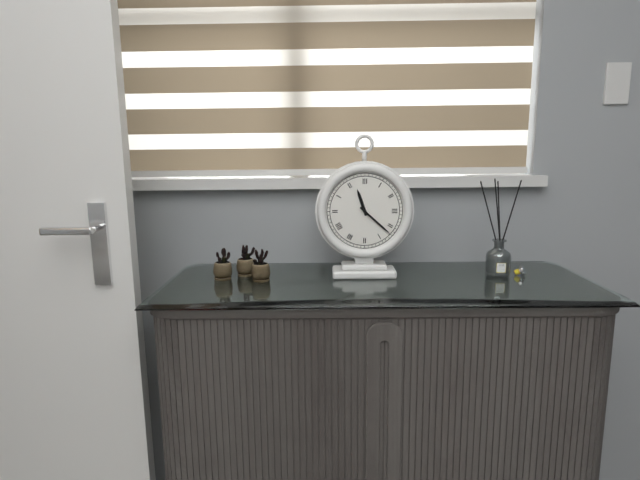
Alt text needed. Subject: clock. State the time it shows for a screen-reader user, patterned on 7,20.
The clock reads 11,22
